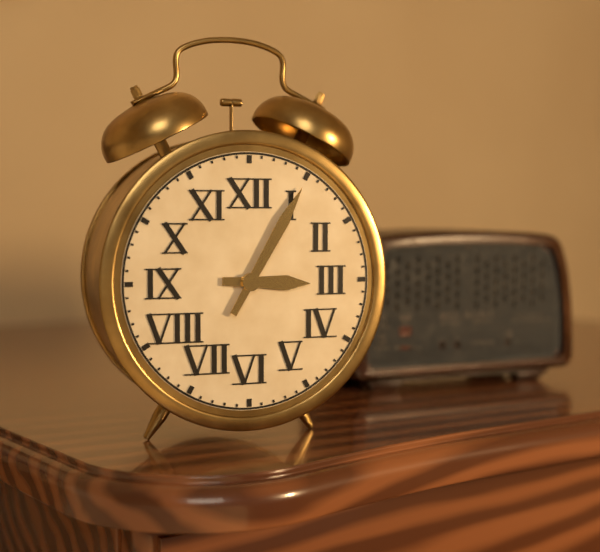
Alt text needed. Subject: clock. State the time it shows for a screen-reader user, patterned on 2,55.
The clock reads 3,05
